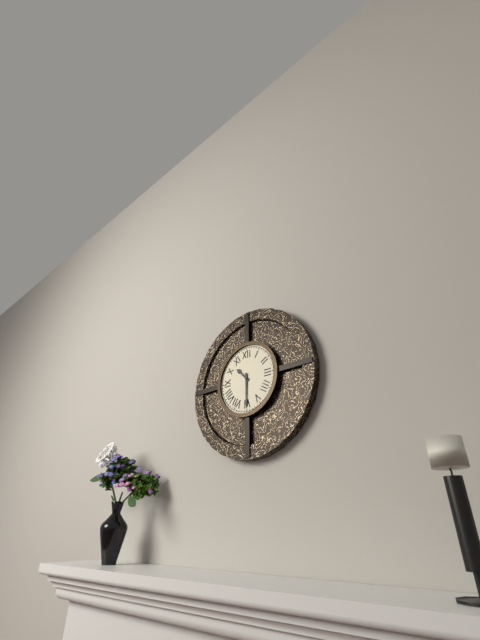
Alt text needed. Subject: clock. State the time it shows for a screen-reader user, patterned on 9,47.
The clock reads 10,30
